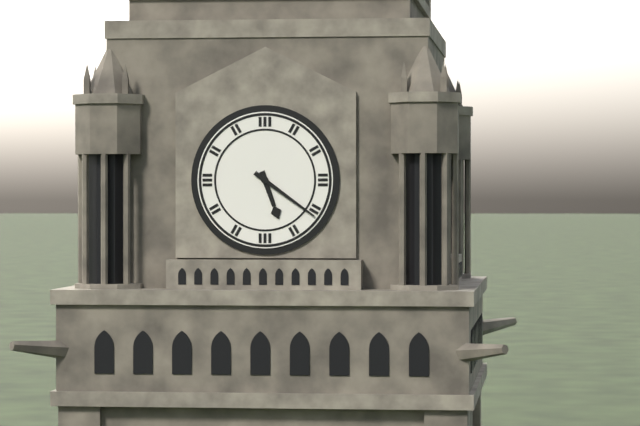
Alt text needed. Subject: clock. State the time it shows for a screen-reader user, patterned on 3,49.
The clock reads 5,21
